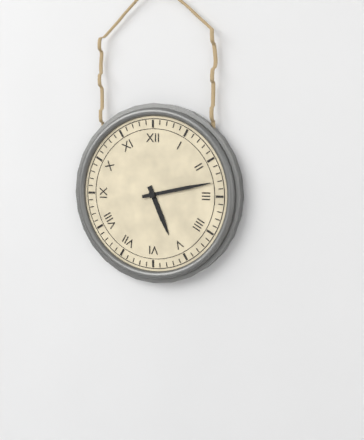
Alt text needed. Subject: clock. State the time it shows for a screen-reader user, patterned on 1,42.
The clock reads 5,13
